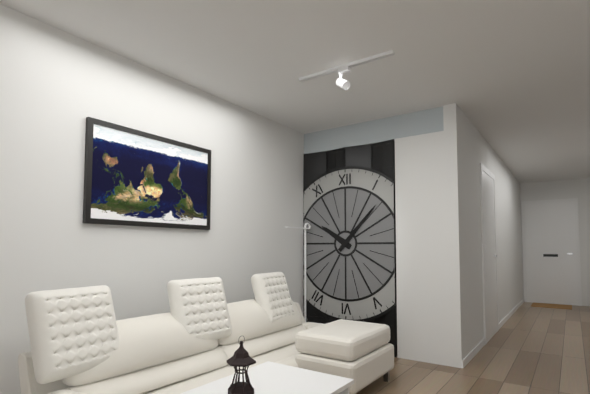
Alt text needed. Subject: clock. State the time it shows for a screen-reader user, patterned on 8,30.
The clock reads 10,07
